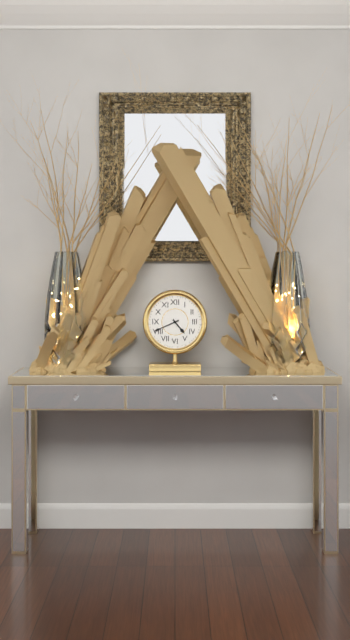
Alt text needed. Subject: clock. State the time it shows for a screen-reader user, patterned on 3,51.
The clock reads 4,41
